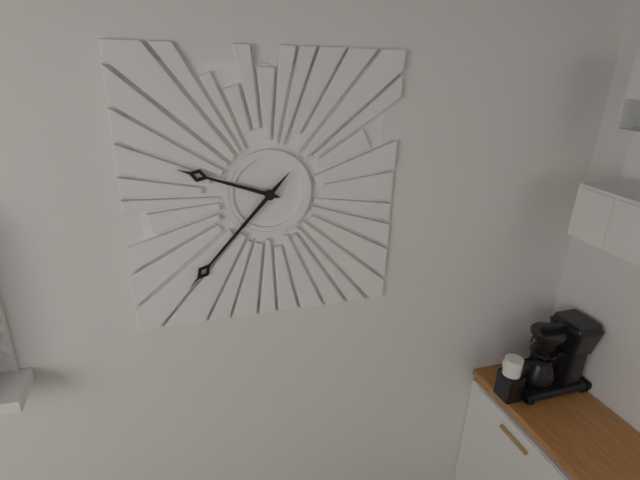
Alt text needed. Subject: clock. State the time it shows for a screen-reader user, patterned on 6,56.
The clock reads 9,37
